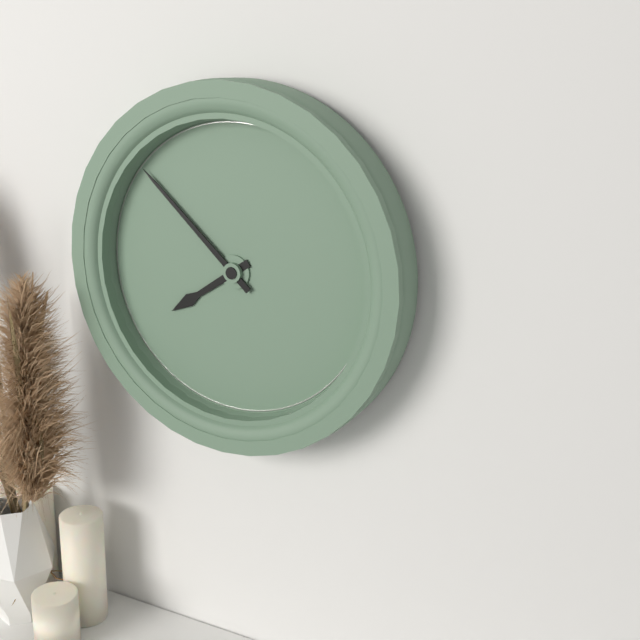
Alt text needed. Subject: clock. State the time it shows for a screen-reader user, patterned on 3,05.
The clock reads 7,52
